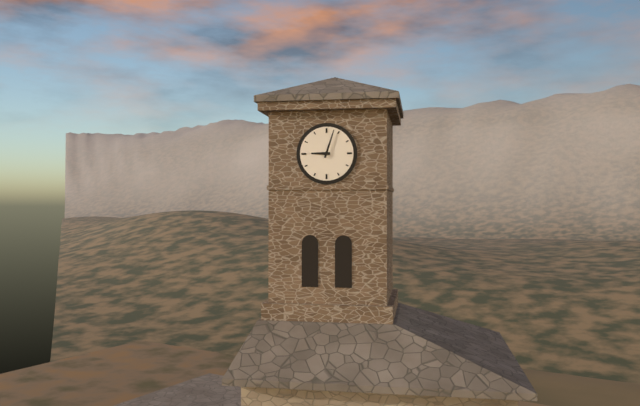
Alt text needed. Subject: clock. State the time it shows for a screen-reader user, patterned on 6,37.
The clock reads 9,03
